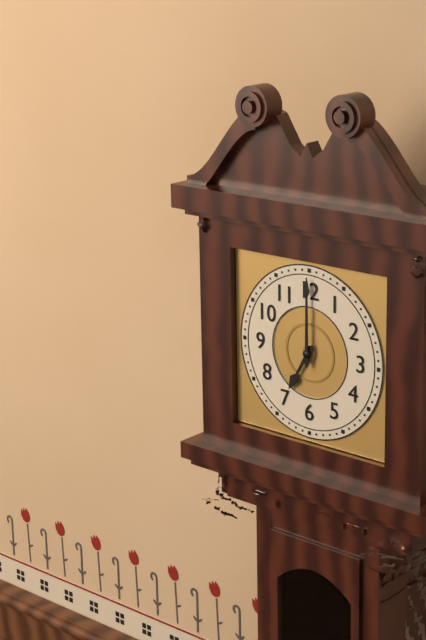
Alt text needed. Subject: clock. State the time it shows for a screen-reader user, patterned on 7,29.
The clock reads 7,00
